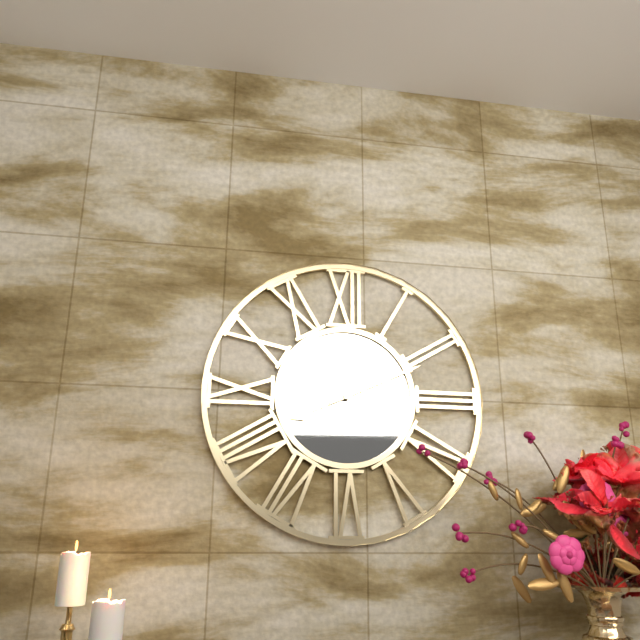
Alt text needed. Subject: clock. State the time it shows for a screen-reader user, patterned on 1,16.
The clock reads 8,11
